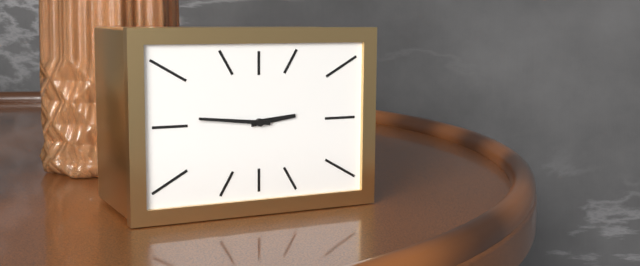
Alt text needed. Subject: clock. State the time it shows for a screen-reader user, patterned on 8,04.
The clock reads 2,46
